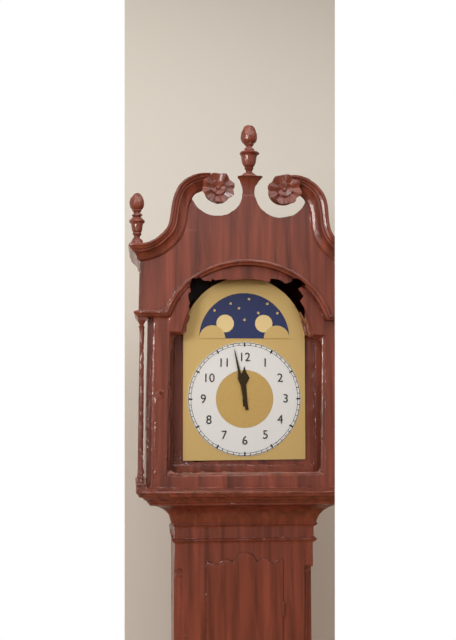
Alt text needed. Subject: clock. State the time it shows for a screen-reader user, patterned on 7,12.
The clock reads 11,58
